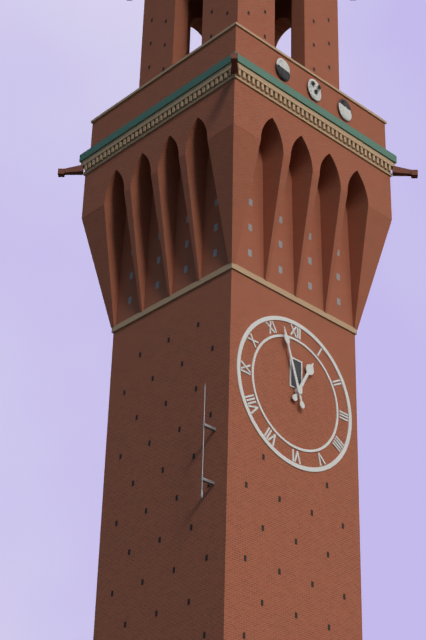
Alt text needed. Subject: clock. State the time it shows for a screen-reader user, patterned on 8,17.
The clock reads 12,57
